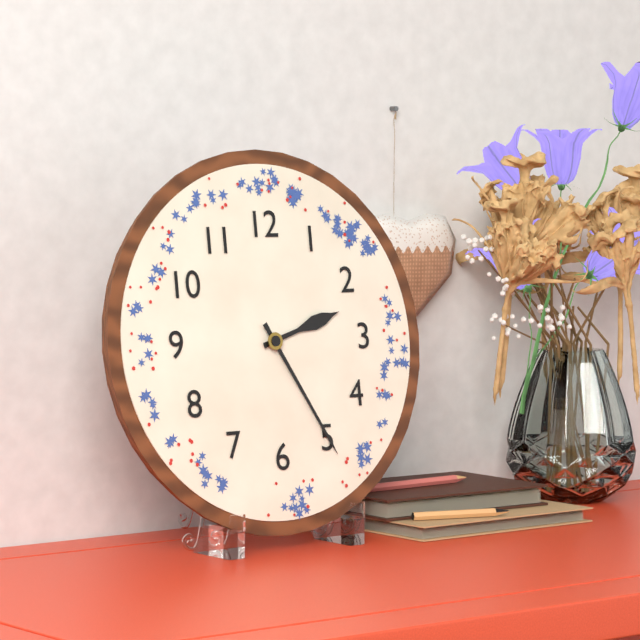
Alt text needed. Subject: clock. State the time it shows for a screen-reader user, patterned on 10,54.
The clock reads 2,25
